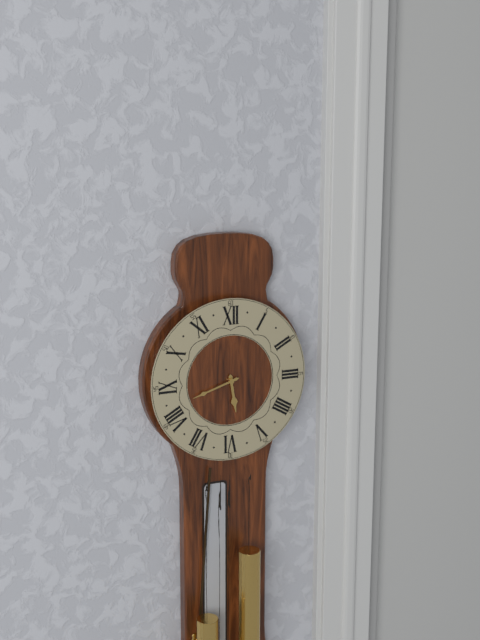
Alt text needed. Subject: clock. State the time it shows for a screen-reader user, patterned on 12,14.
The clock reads 5,42
